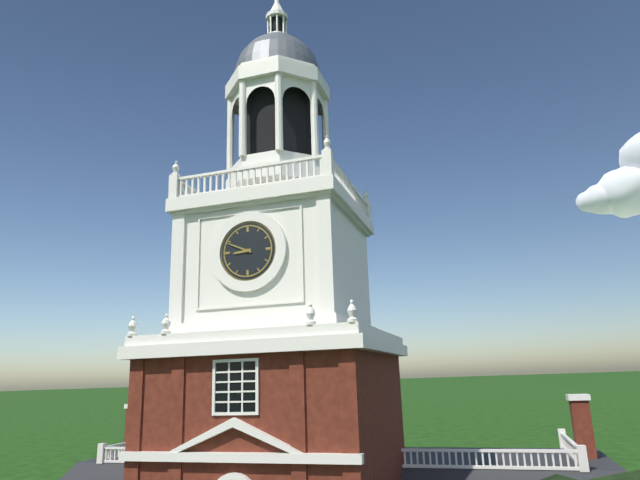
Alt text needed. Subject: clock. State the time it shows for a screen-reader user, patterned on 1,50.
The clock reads 8,49
